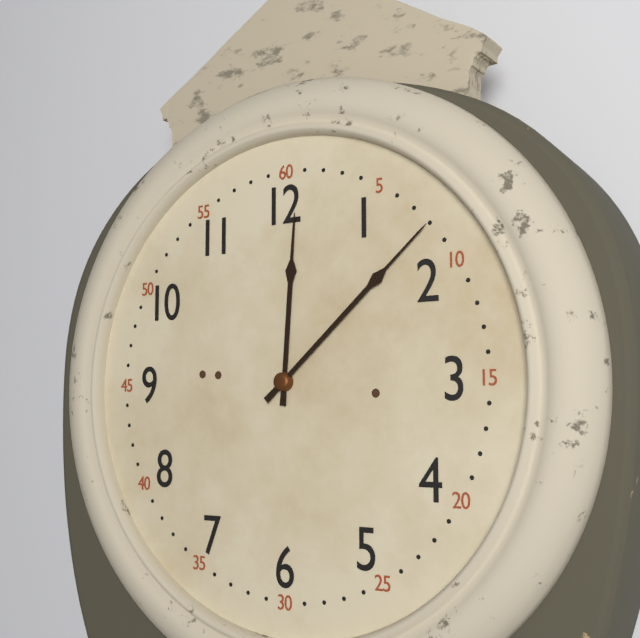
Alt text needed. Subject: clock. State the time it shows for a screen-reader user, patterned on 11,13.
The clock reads 12,08
